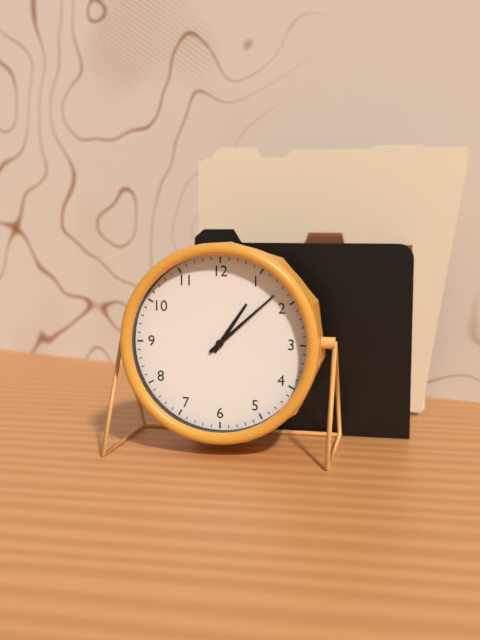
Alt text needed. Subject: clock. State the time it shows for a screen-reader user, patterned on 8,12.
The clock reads 1,08
